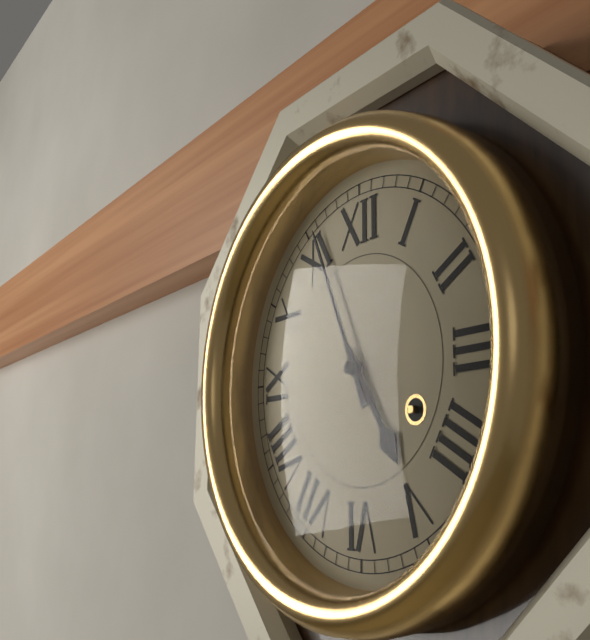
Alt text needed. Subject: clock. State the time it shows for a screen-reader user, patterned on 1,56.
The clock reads 4,56
